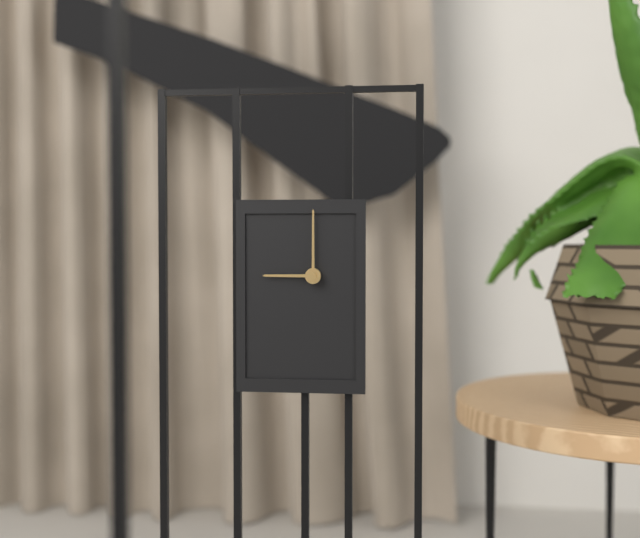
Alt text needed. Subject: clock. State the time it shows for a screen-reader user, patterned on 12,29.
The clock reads 9,00
